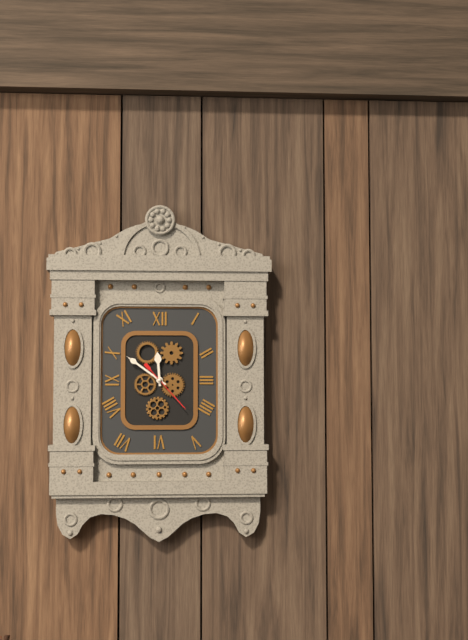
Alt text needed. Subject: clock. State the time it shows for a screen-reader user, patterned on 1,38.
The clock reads 11,51
